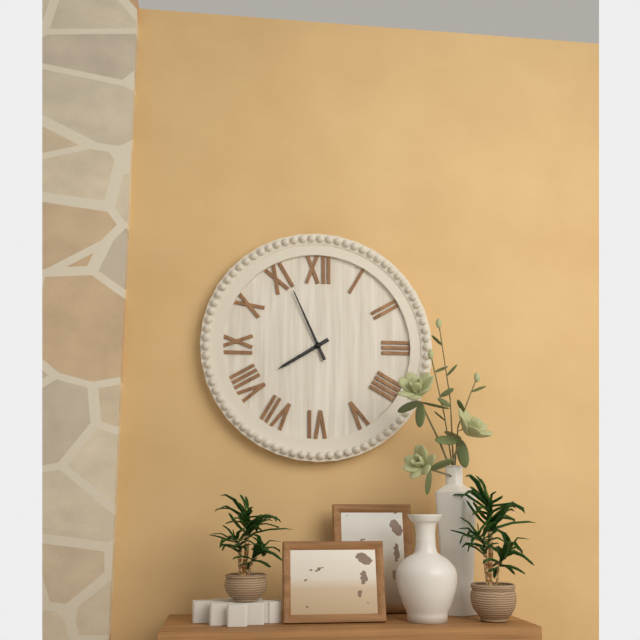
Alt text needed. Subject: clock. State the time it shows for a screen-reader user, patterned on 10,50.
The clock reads 7,56
